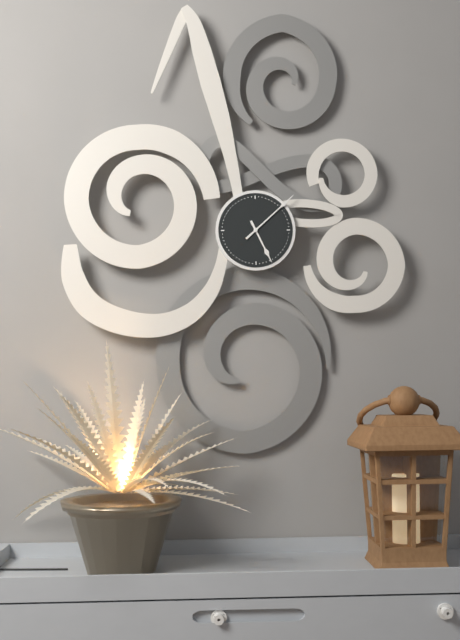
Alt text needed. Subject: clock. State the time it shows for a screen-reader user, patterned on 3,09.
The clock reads 5,08
